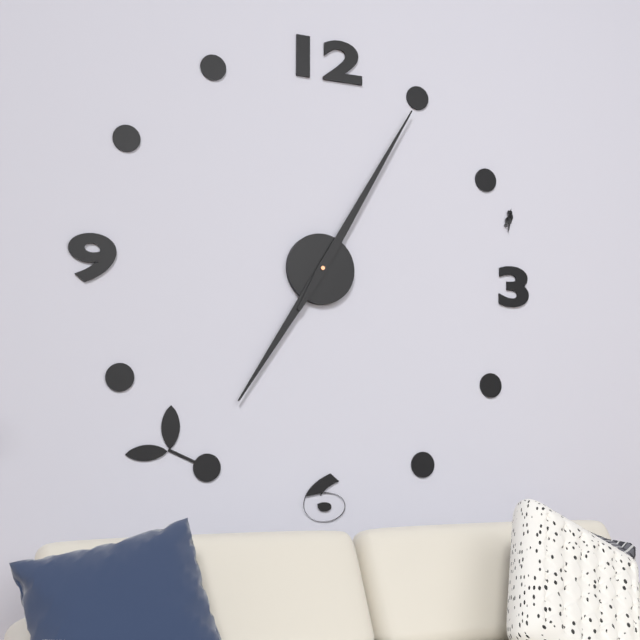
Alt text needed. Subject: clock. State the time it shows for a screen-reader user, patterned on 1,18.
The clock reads 7,05
